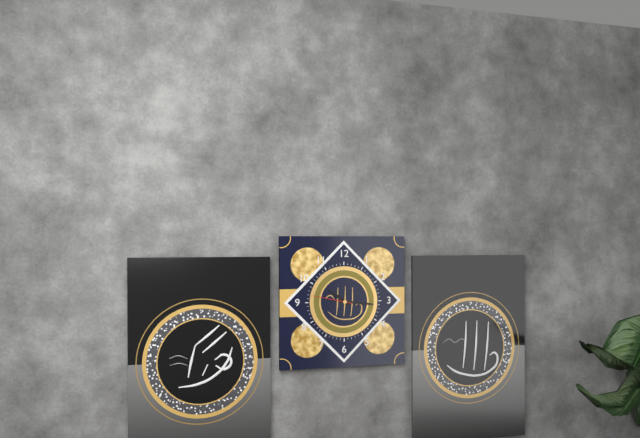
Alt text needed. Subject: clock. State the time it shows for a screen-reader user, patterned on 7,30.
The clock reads 10,16
